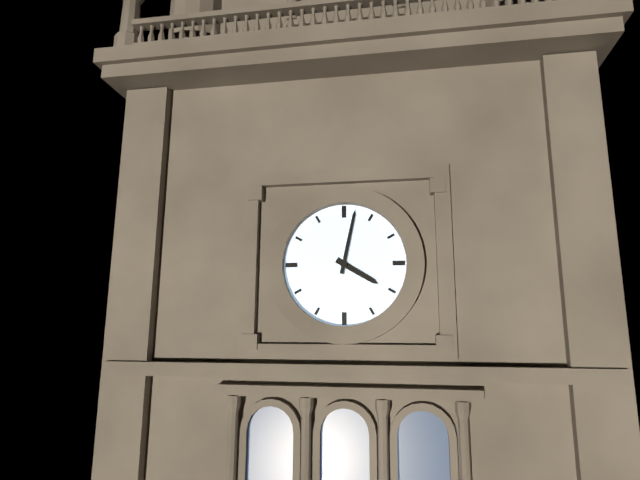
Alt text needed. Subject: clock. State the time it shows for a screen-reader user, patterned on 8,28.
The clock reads 4,02
